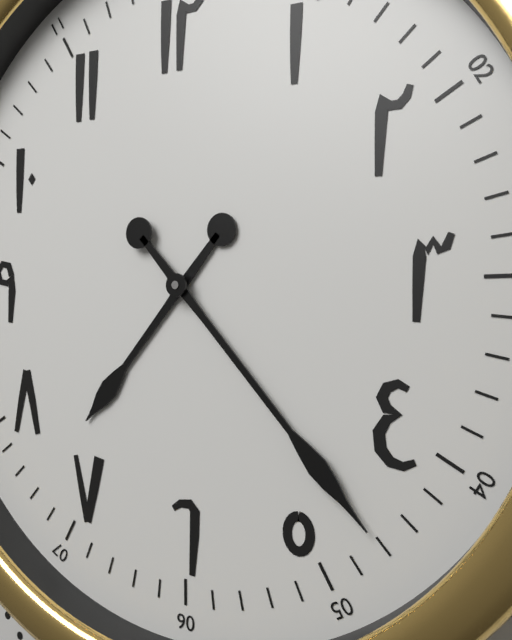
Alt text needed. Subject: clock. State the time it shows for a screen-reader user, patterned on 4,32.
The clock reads 7,23
